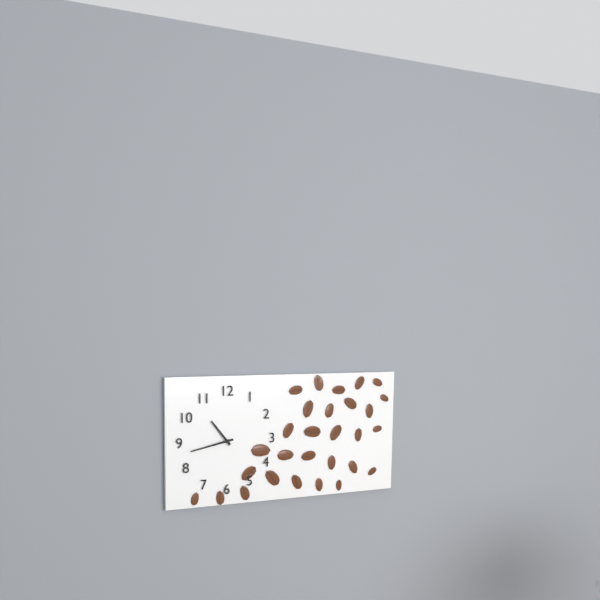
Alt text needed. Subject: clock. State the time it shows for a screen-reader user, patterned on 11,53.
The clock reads 10,43
